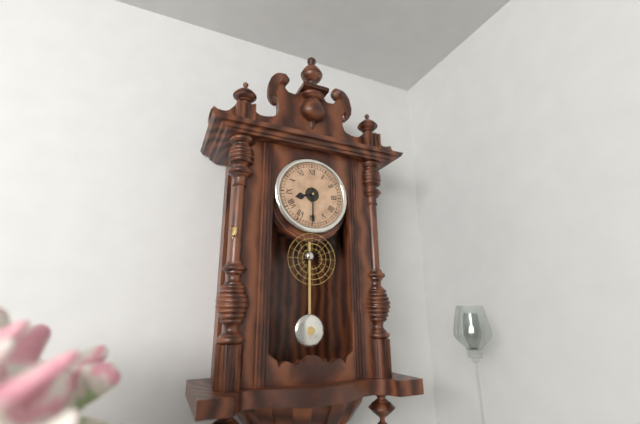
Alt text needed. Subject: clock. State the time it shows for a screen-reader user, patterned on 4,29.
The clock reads 8,30
